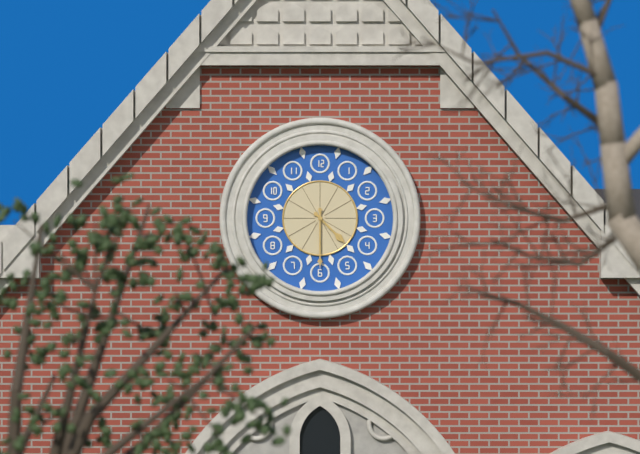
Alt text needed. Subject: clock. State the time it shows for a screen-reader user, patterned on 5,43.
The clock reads 4,30
